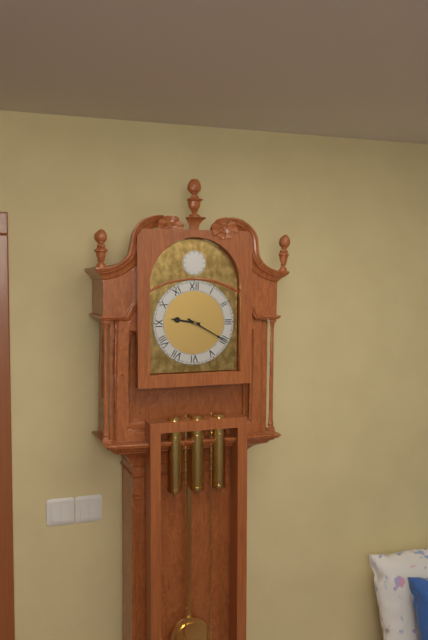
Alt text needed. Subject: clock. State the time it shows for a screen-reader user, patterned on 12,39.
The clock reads 9,20
